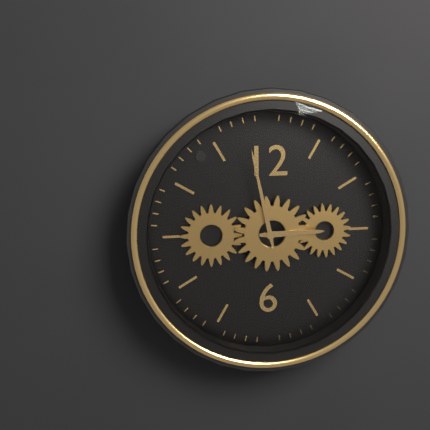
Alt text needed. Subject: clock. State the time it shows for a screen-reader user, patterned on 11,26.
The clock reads 2,58
